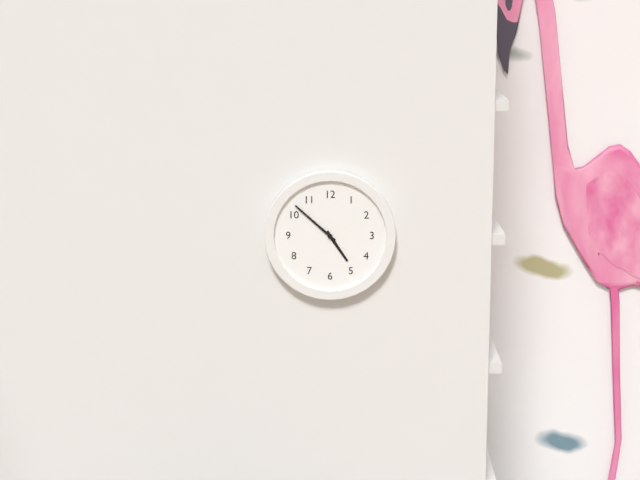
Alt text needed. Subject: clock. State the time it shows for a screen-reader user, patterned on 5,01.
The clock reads 4,52
